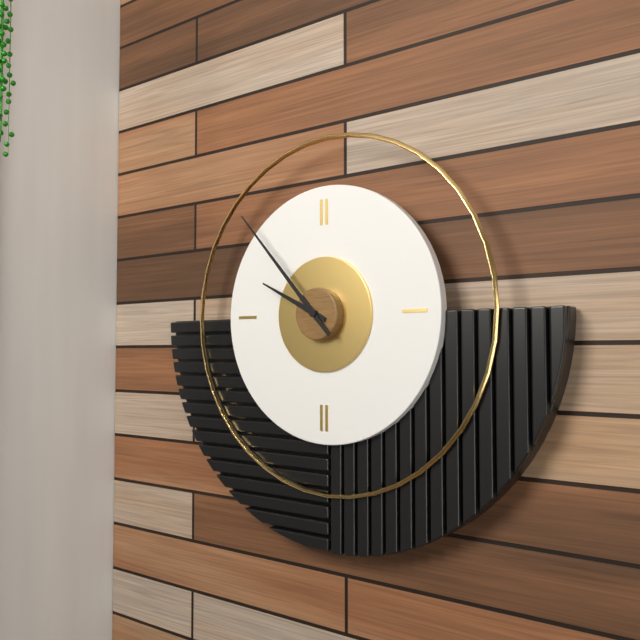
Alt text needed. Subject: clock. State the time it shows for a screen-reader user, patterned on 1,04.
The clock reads 9,53
